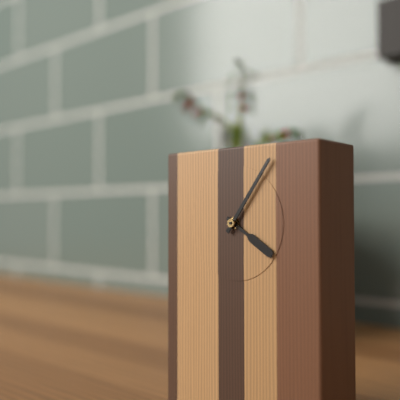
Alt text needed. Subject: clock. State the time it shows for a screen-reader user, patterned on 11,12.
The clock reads 4,06
